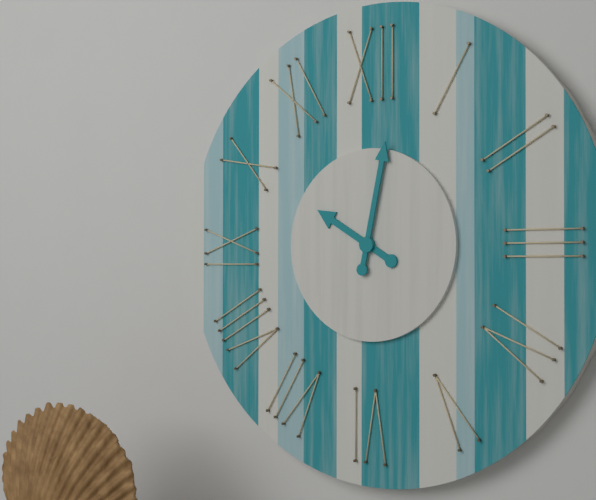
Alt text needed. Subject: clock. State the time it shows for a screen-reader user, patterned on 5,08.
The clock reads 10,02
